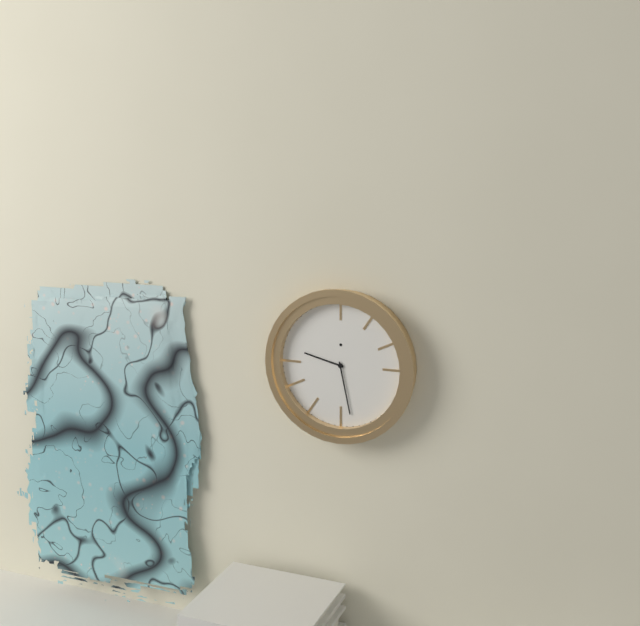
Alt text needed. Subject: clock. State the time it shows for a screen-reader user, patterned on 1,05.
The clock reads 9,28
